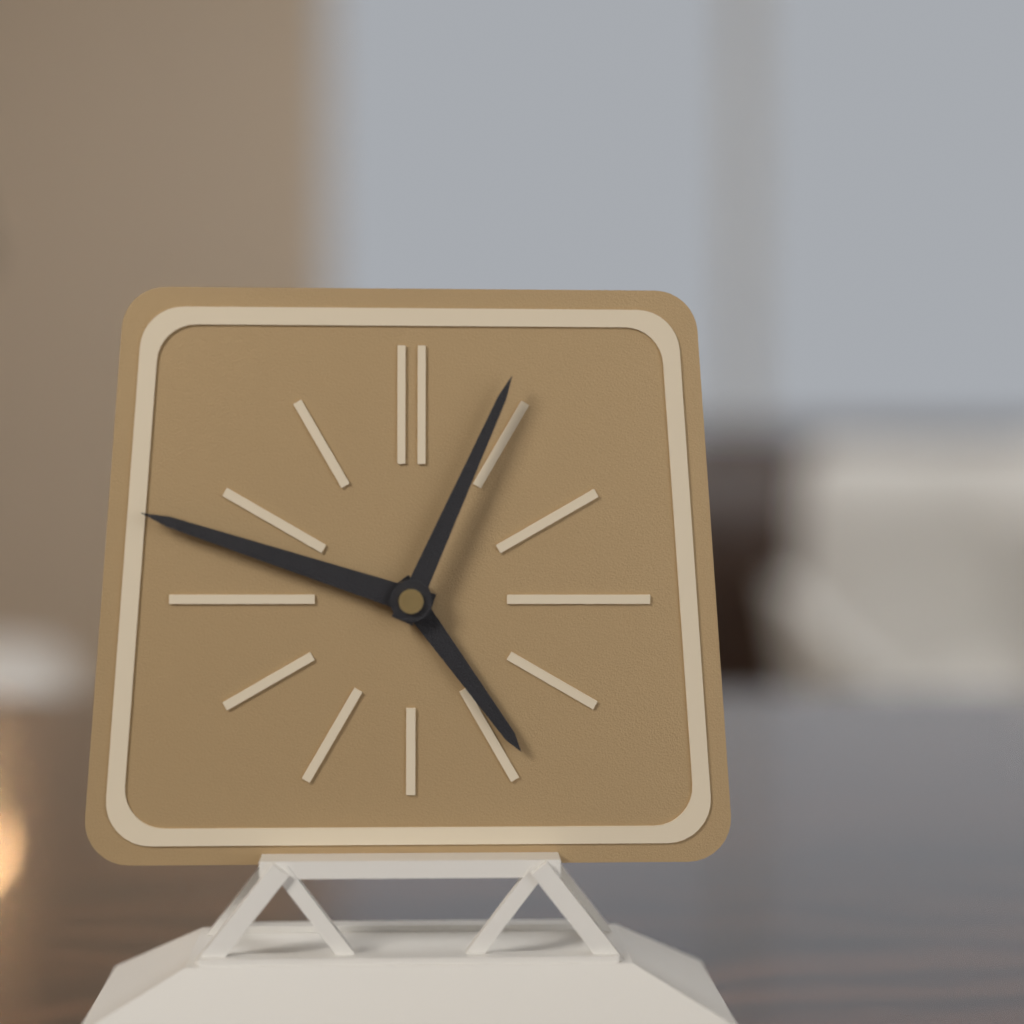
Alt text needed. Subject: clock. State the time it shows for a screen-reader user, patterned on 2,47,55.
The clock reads 4,48,04
